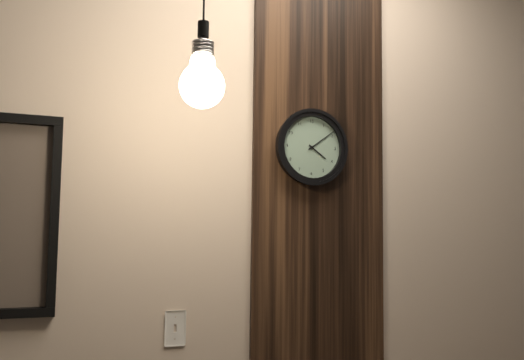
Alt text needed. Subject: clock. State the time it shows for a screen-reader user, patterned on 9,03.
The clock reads 4,09
